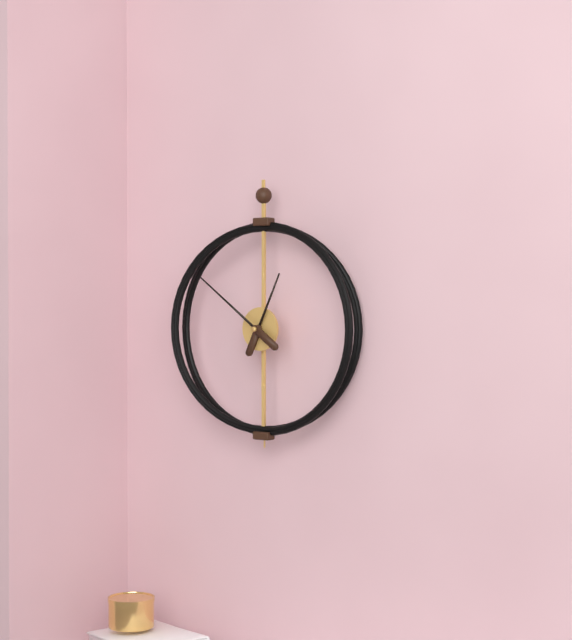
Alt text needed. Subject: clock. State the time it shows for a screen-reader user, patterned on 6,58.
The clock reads 12,51
